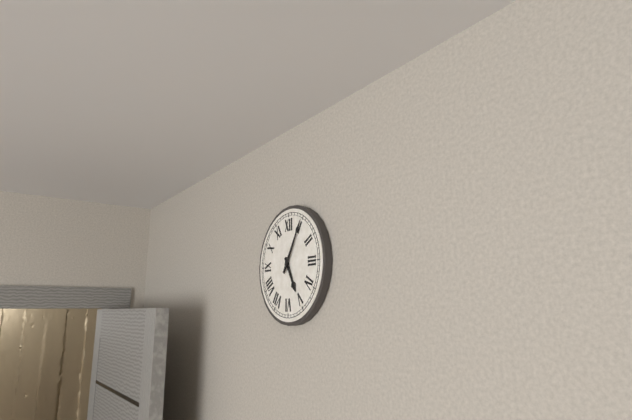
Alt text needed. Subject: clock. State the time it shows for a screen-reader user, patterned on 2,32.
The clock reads 5,05
